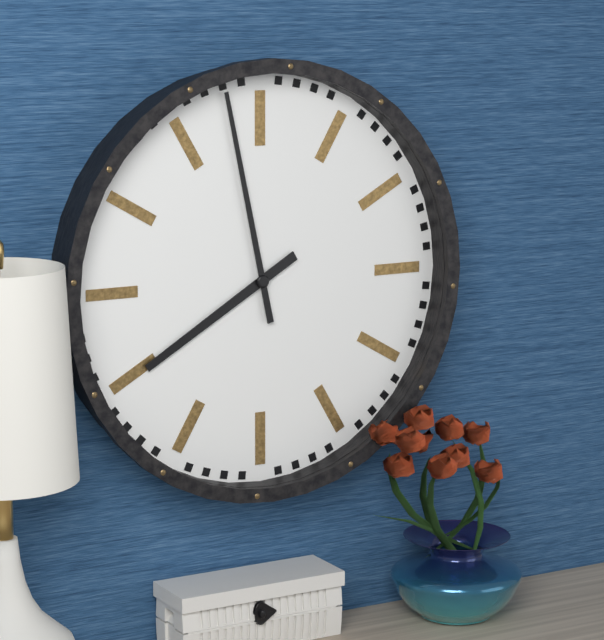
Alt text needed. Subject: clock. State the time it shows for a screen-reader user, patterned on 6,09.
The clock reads 7,58
